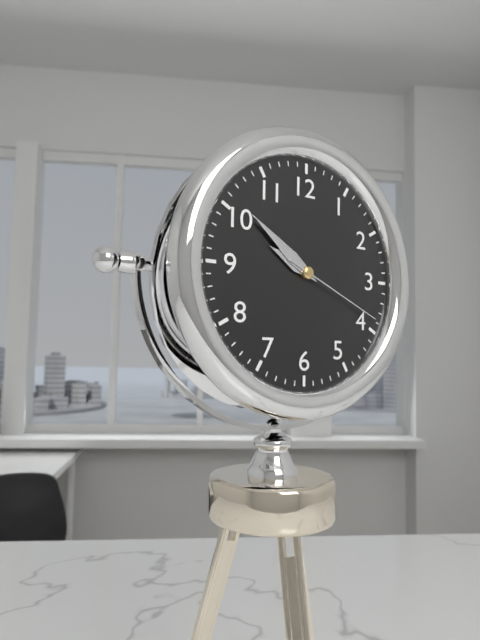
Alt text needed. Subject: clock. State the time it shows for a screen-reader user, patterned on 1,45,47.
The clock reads 9,51,19
